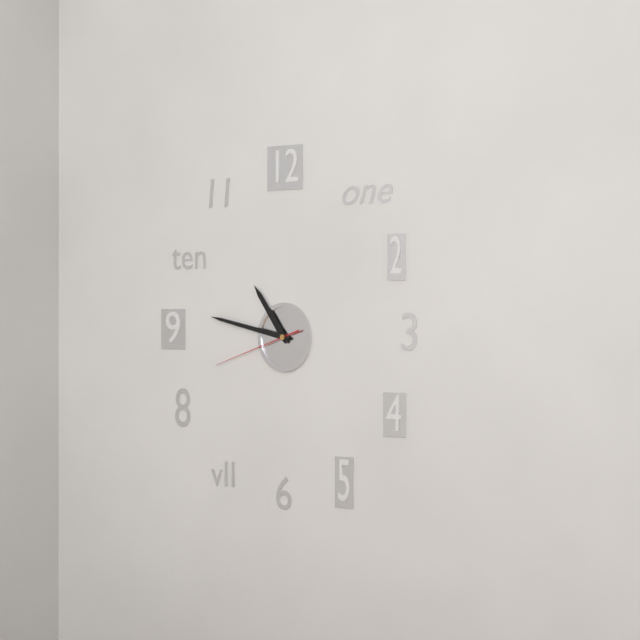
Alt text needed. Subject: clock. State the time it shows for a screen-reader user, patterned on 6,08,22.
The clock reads 10,47,42
